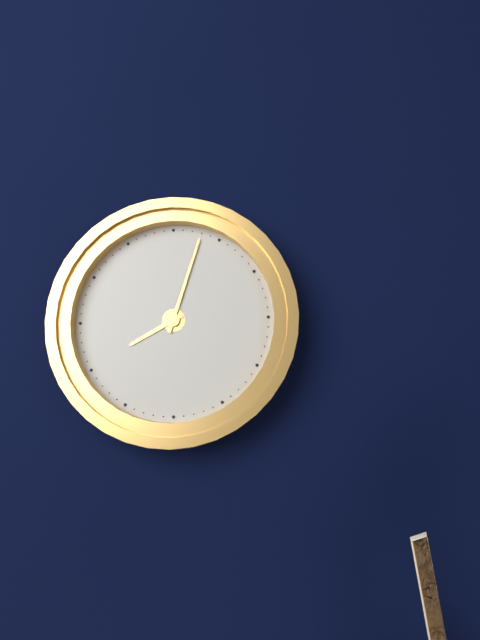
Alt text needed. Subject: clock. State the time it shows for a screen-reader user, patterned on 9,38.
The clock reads 8,03
